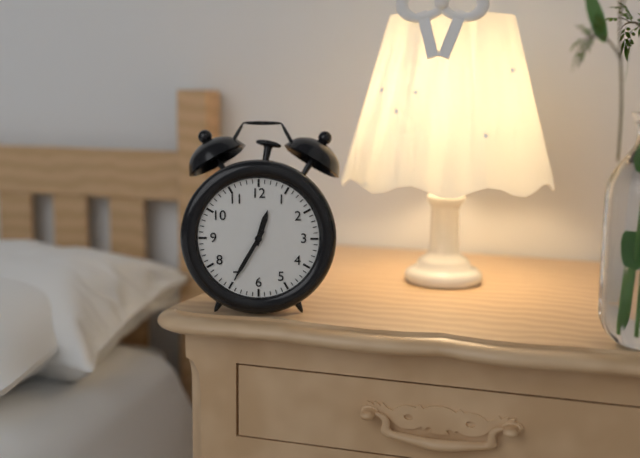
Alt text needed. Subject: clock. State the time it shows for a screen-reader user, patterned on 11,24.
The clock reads 12,35
